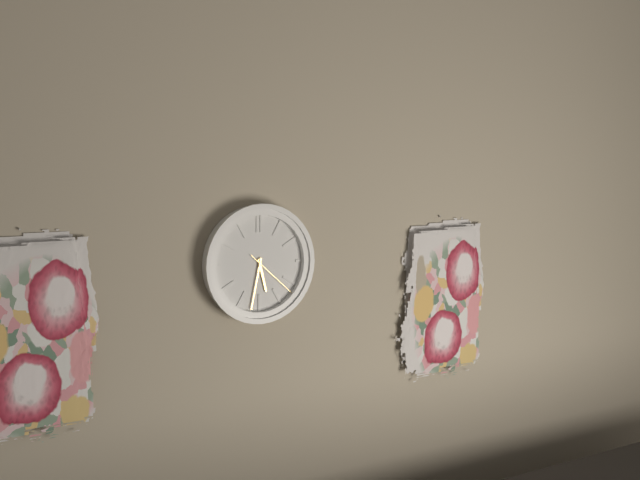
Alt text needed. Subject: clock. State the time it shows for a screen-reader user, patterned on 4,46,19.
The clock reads 5,32,22
